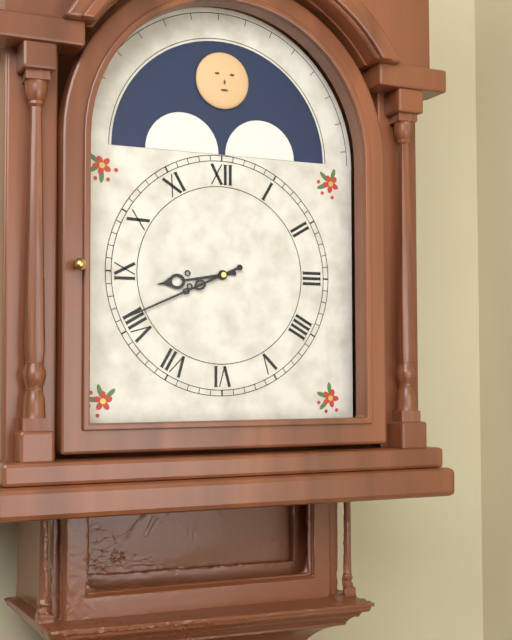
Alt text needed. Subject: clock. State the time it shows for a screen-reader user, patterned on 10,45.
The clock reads 8,41
